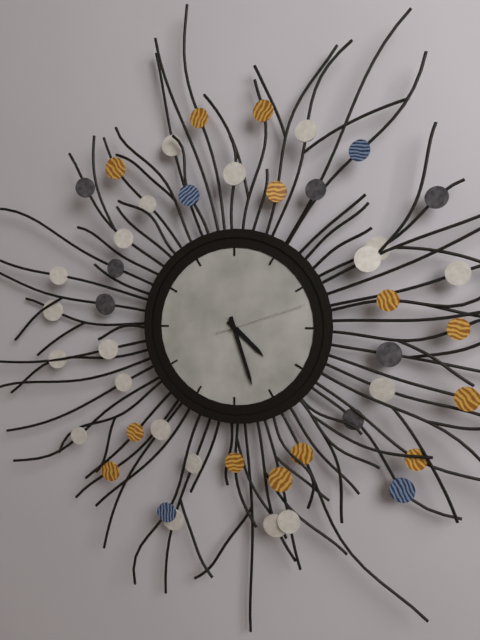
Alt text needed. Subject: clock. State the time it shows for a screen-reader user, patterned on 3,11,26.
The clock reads 4,27,12
